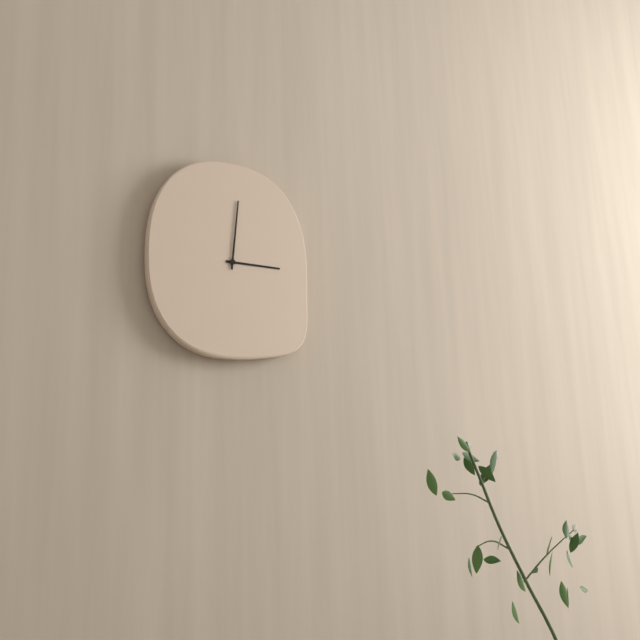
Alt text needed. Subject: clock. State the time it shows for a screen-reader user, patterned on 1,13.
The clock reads 3,01
